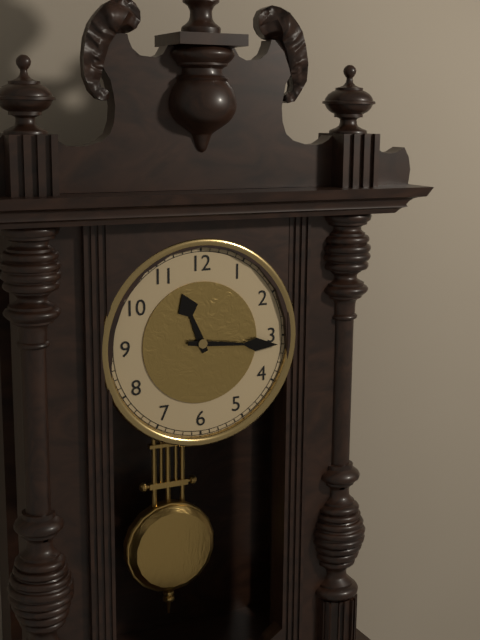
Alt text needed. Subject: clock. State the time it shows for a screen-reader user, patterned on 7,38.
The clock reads 11,16
